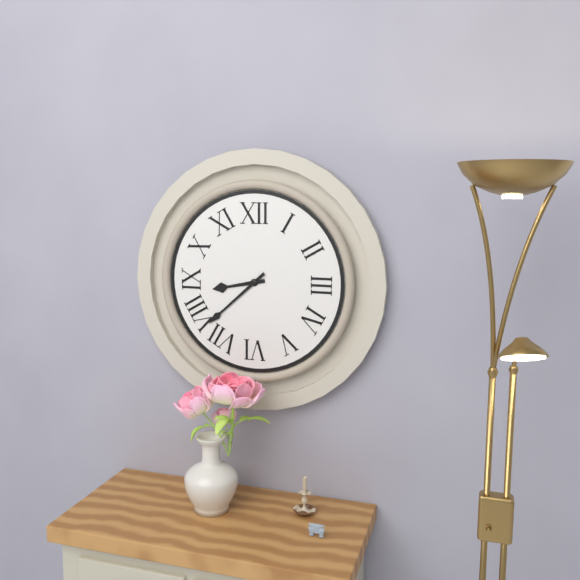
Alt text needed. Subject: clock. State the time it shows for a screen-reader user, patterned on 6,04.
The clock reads 8,38
